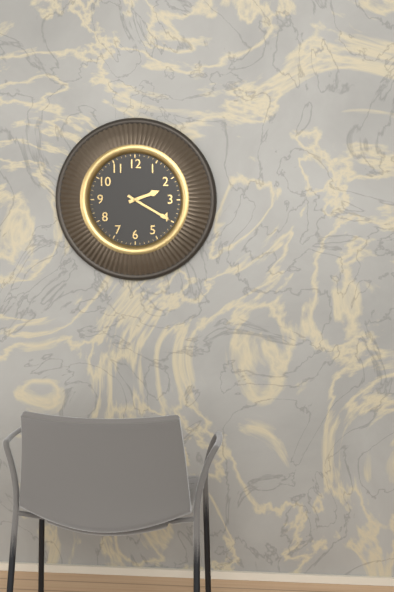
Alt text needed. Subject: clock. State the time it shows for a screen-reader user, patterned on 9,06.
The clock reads 2,20
